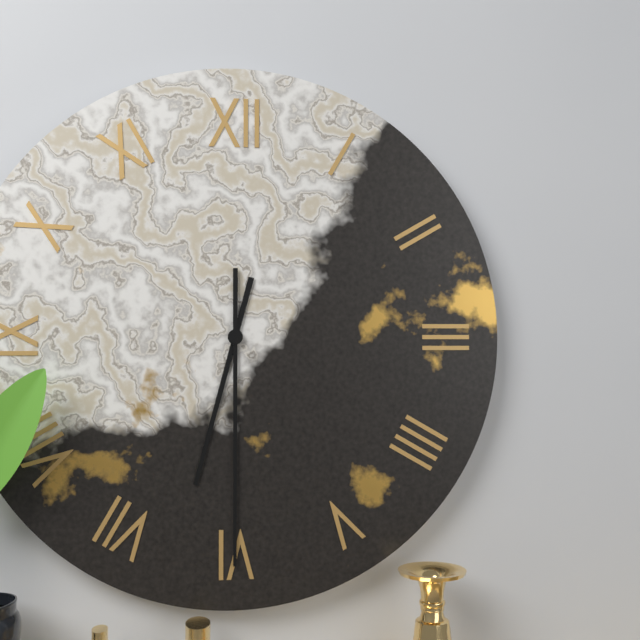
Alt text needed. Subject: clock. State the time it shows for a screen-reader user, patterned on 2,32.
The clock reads 6,30
